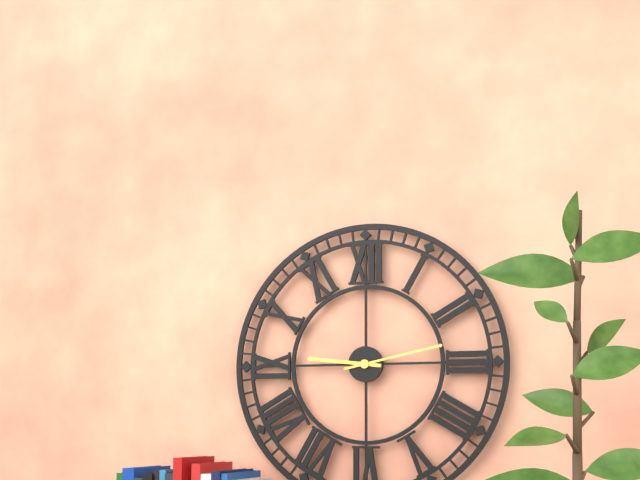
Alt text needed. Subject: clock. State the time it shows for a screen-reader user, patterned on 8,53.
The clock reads 9,13
